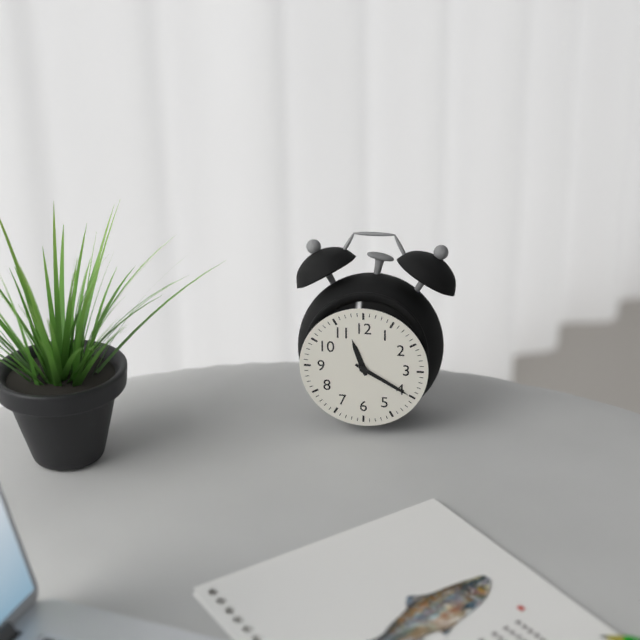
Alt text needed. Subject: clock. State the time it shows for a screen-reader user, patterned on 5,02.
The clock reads 11,20
